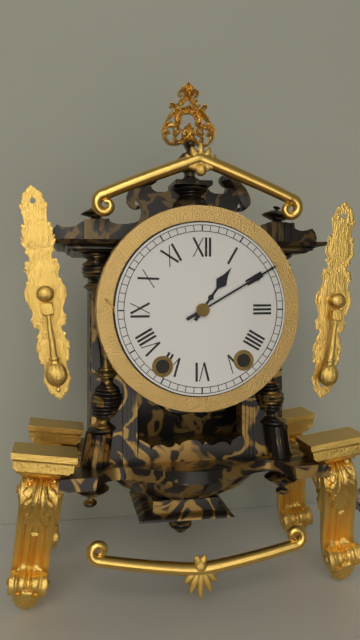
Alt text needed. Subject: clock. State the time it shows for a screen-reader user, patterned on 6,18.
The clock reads 1,10
